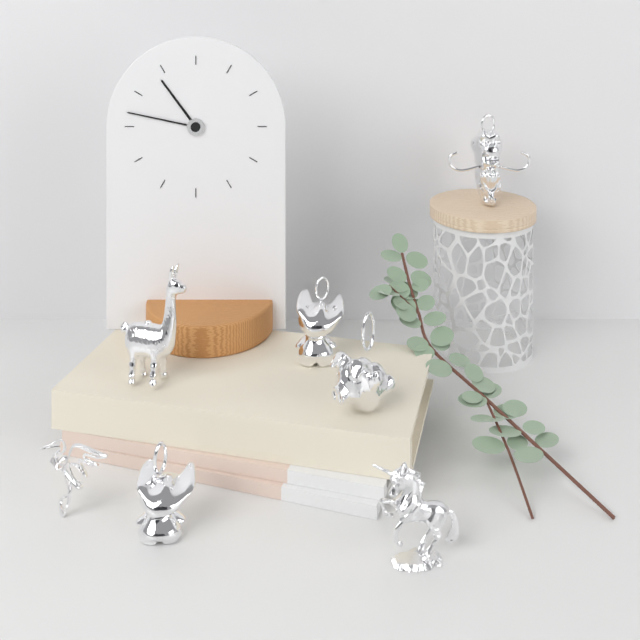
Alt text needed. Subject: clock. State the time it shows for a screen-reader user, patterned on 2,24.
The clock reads 10,47
